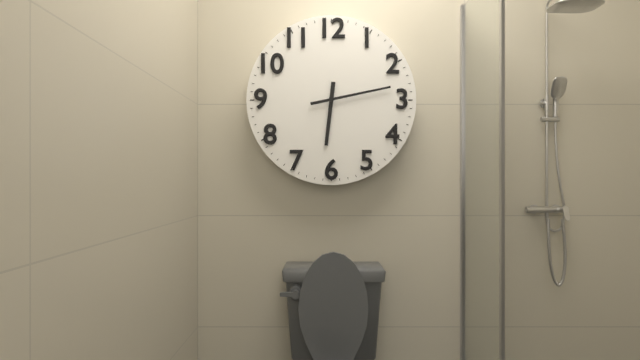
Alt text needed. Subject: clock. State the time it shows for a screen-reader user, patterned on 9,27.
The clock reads 6,13
